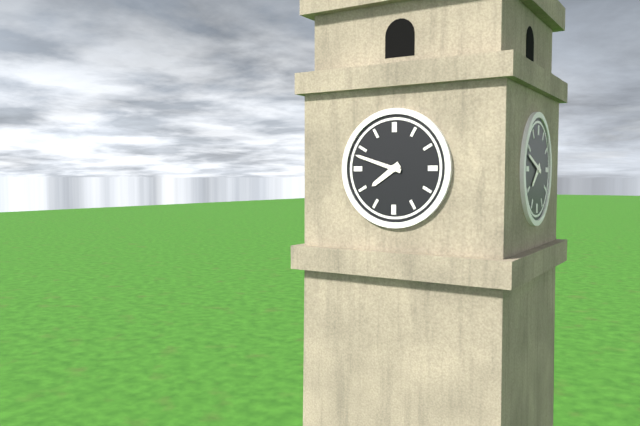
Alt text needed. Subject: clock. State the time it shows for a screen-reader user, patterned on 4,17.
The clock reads 7,48
